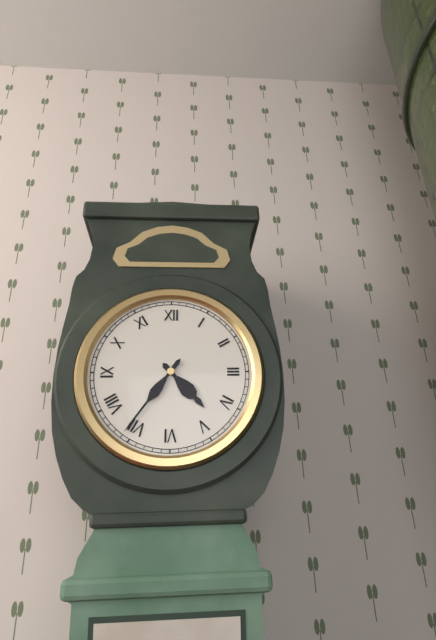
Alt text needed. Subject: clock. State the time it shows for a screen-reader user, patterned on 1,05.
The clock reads 4,36
